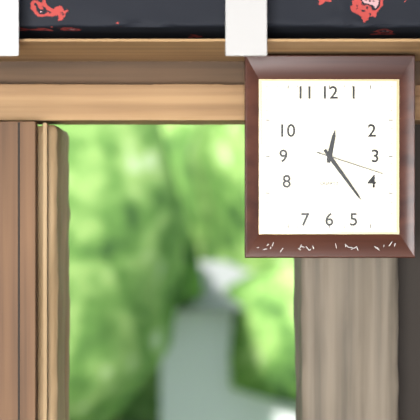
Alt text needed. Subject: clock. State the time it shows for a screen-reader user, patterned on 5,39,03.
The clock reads 12,24,18
